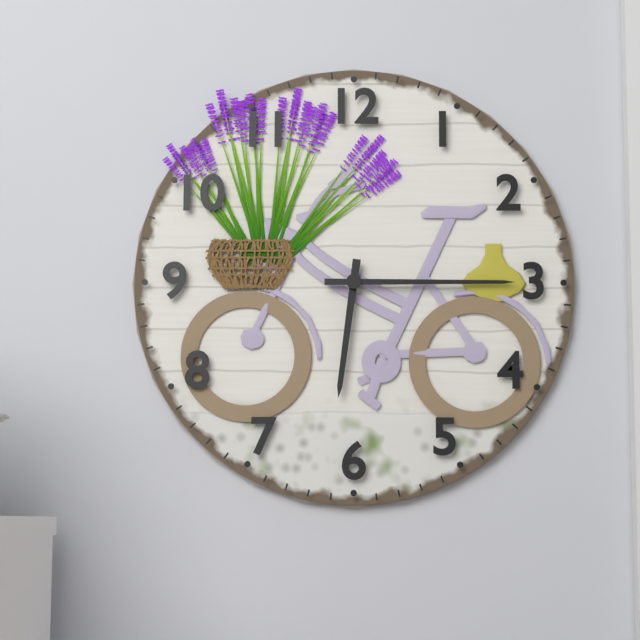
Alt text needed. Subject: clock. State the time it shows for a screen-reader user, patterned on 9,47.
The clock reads 6,15
